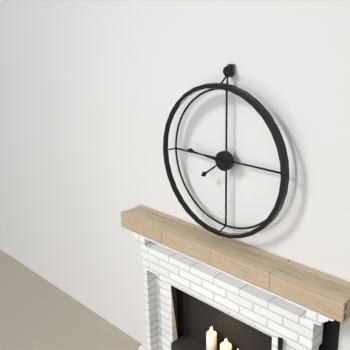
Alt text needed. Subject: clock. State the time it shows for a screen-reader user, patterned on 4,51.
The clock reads 7,46
